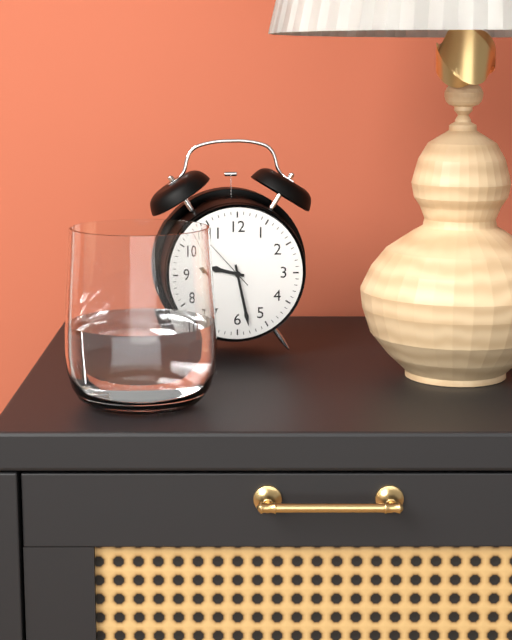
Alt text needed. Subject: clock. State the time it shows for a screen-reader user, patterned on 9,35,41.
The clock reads 9,28,53
